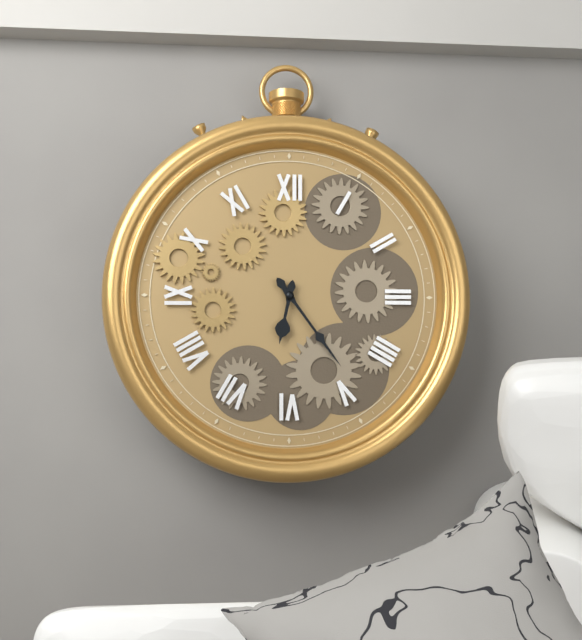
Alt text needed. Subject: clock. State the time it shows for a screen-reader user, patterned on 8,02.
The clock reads 6,24
